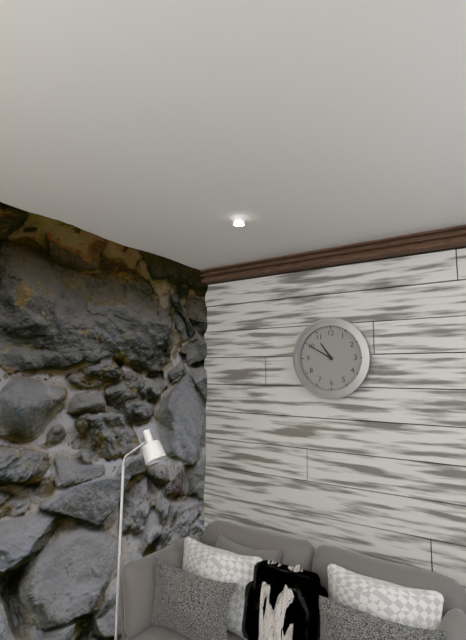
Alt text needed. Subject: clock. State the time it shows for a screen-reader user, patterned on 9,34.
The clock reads 10,50
